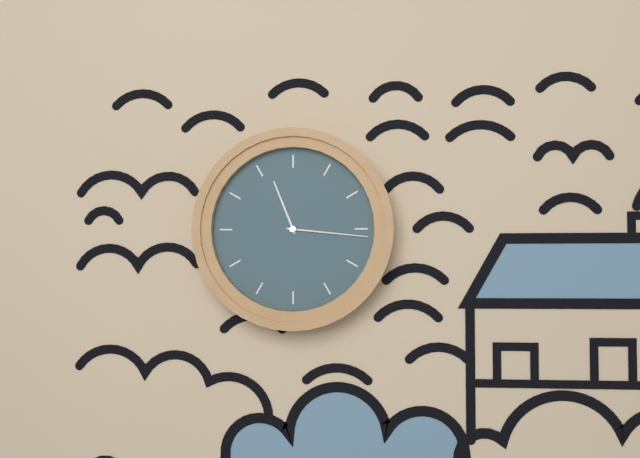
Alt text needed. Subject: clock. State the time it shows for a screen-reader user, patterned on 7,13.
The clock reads 11,16
